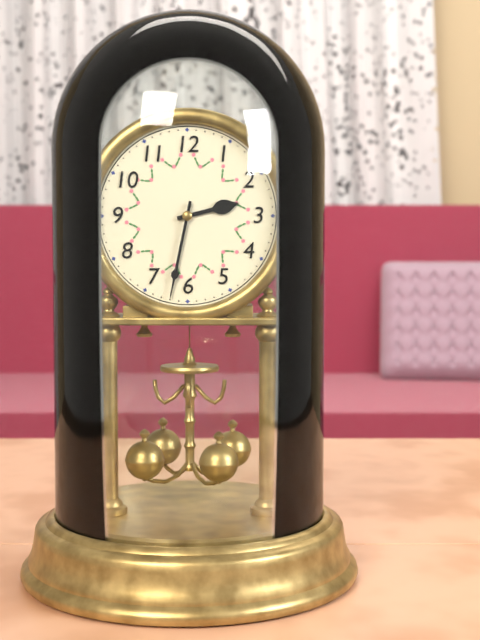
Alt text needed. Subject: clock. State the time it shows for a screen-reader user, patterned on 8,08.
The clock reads 2,32
